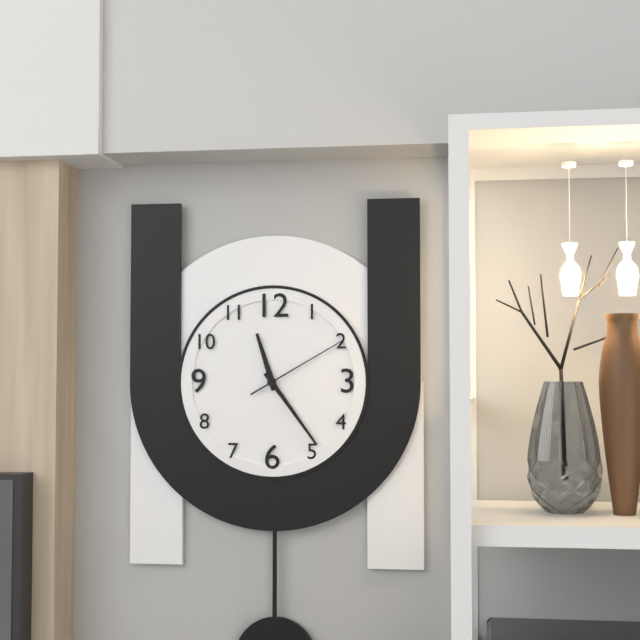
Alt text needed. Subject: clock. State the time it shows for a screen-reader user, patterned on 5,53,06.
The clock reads 11,24,10
